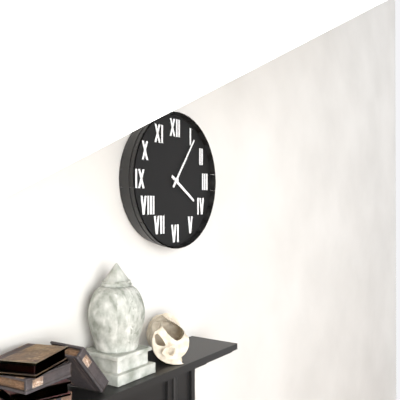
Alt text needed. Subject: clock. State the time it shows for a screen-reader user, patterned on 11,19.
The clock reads 4,06
